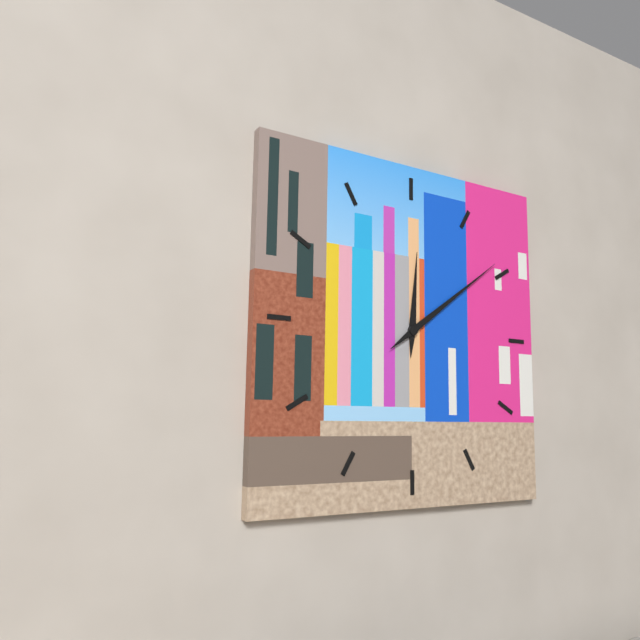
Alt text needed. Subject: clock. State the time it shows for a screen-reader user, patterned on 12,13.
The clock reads 12,09
